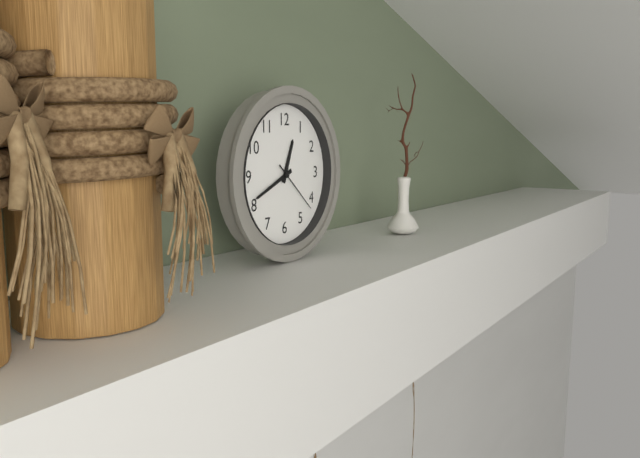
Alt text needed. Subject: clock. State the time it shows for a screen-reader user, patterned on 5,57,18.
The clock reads 12,41,22
